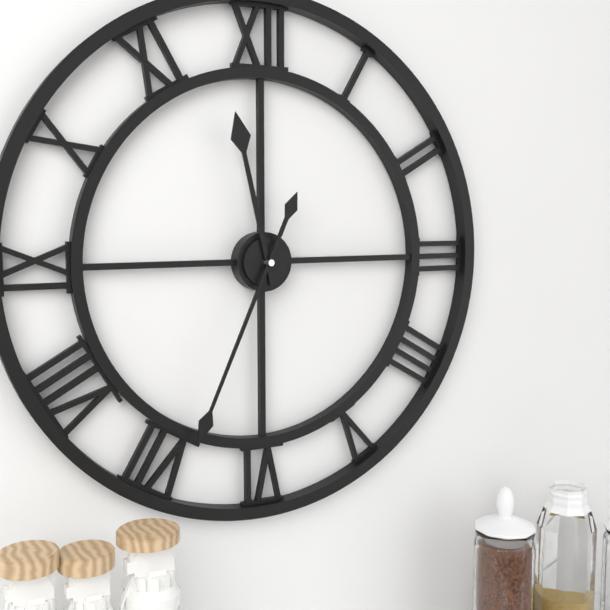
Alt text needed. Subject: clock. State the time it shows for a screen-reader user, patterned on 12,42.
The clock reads 11,34
